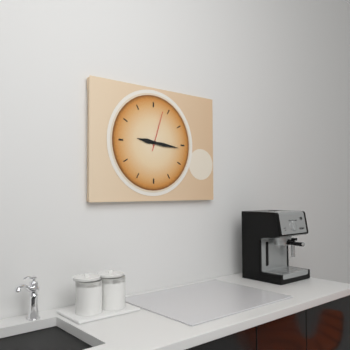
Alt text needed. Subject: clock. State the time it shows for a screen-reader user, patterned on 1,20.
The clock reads 9,16
